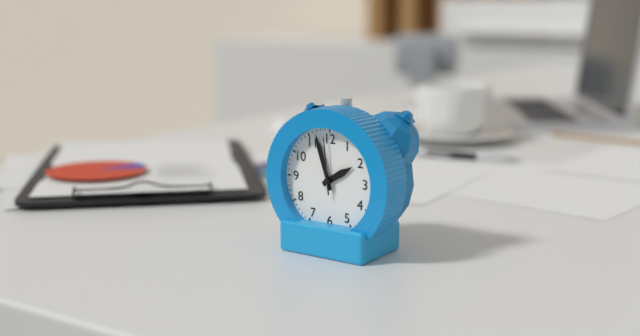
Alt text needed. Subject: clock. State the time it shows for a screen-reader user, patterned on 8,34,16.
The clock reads 1,57,59
